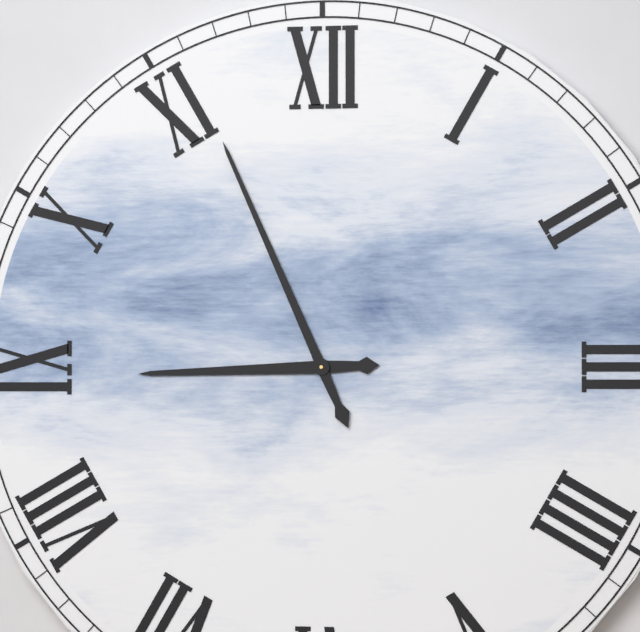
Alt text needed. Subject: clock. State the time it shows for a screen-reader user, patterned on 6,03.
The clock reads 8,56
